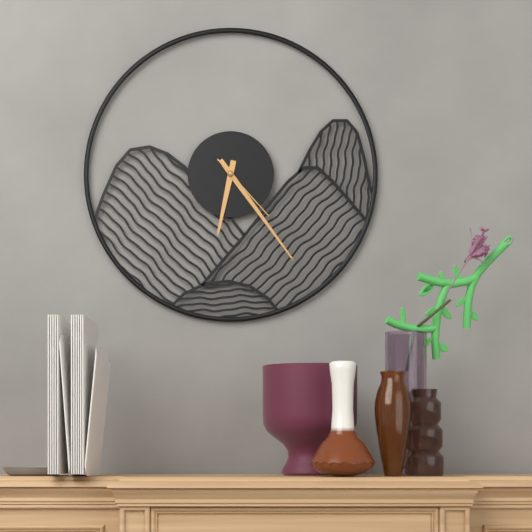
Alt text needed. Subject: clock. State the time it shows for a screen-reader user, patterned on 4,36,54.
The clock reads 6,24,23
